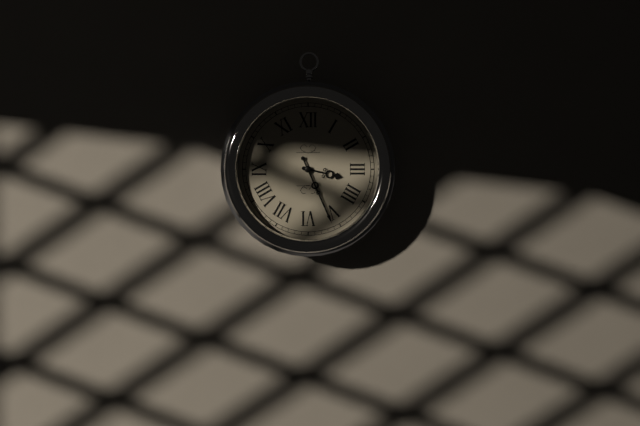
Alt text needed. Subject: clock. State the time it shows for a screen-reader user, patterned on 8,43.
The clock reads 3,26
